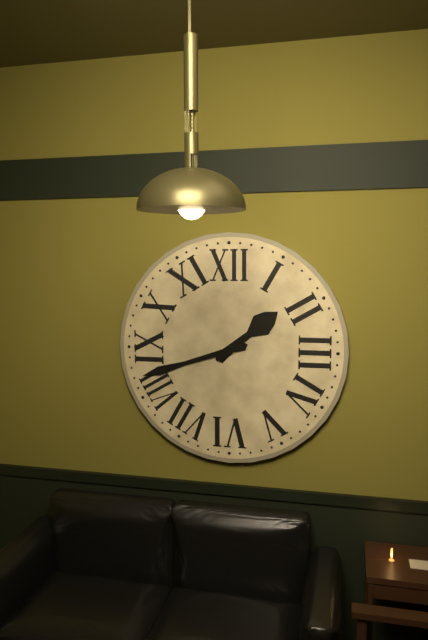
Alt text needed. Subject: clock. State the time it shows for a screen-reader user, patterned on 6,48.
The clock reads 1,42
